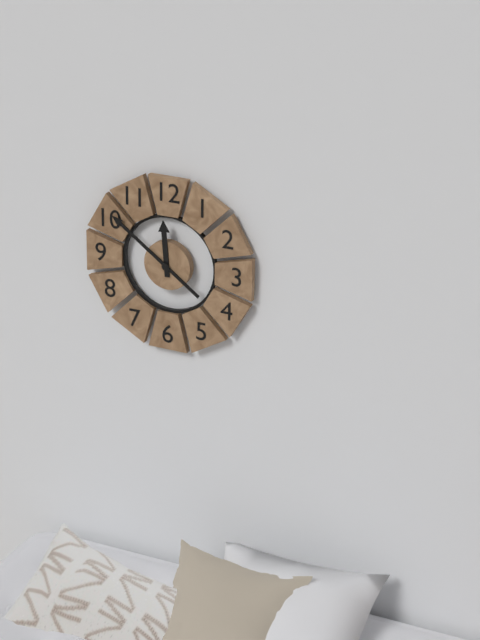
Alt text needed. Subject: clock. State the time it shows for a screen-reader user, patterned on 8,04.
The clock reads 11,51
